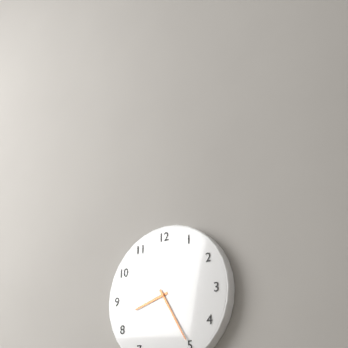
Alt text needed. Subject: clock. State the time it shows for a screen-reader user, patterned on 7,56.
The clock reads 8,25
